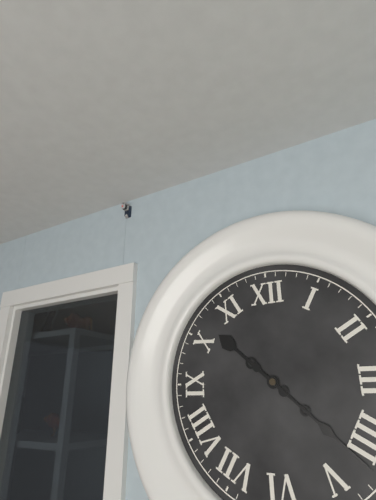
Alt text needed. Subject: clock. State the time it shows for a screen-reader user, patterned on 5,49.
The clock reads 10,22
